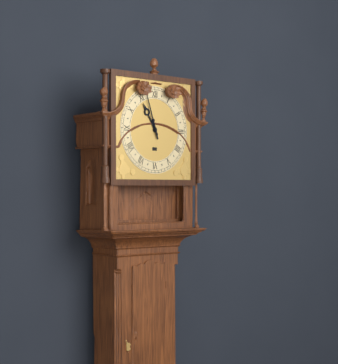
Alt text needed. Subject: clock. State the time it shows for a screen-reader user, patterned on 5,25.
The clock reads 10,57
